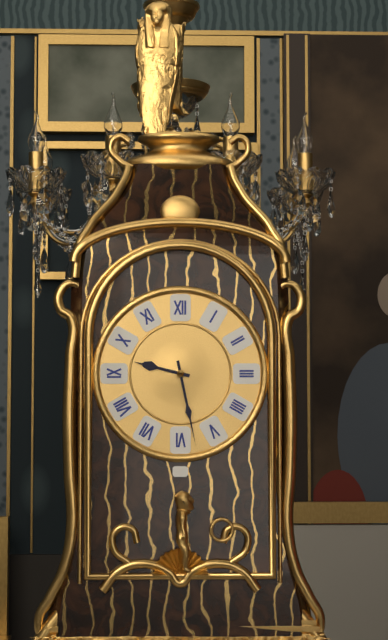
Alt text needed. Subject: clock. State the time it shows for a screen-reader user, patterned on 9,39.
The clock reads 9,28
